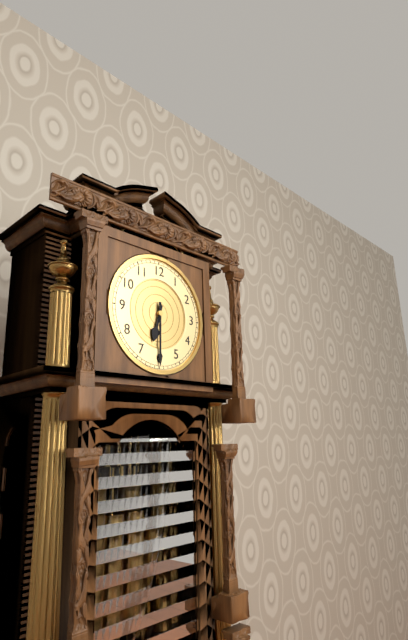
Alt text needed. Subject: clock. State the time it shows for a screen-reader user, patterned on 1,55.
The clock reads 6,30
